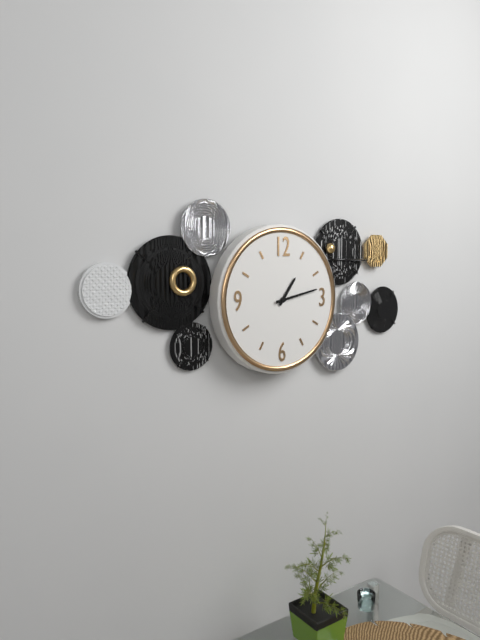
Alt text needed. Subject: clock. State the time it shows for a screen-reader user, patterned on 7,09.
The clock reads 1,13
